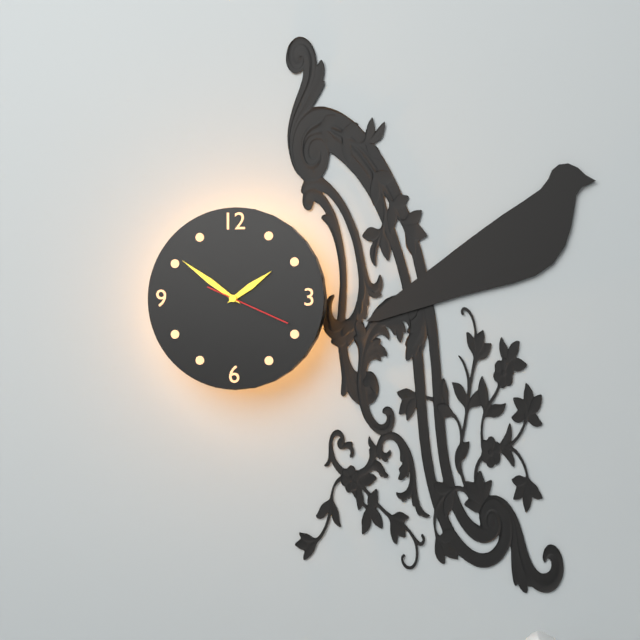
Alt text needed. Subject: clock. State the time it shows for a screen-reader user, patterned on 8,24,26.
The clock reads 1,51,19
